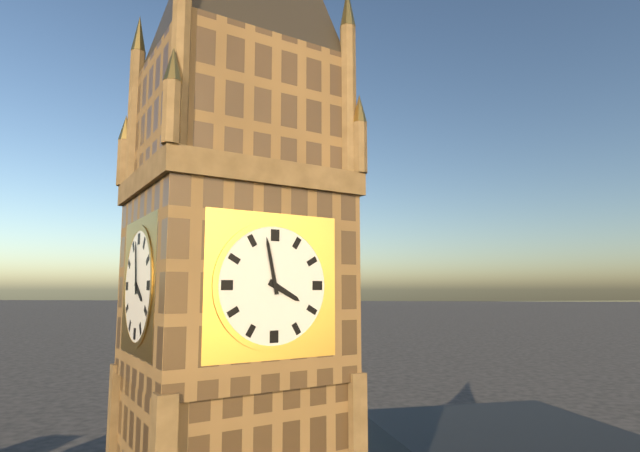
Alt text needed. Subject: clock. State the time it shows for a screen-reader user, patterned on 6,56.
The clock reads 3,58
